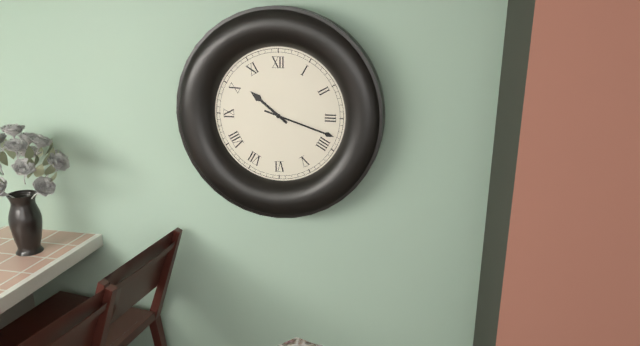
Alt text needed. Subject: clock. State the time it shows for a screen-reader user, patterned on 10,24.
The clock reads 10,18
